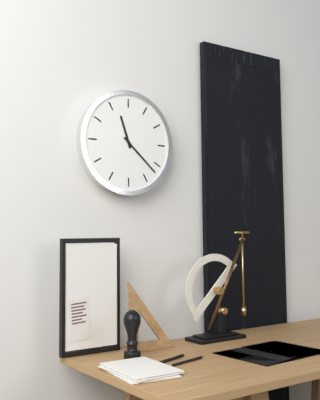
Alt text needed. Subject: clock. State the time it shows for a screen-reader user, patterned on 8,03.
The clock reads 11,22
